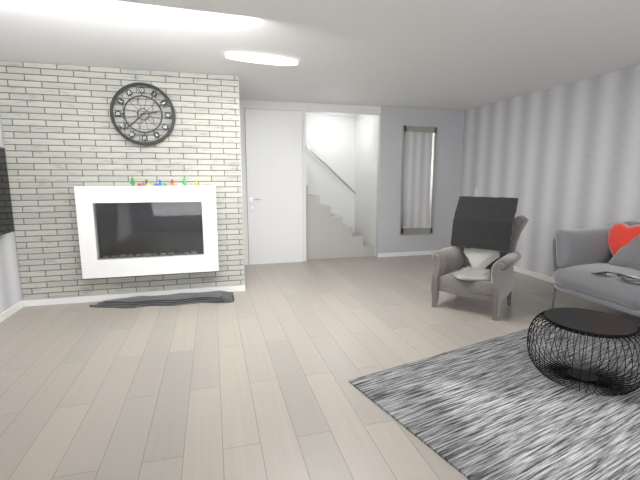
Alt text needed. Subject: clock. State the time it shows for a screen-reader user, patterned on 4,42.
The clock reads 2,38
